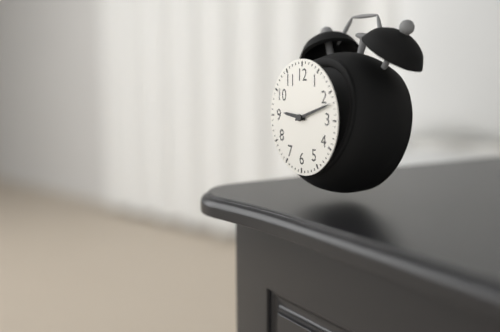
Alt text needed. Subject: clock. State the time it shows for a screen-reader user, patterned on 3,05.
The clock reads 9,12
